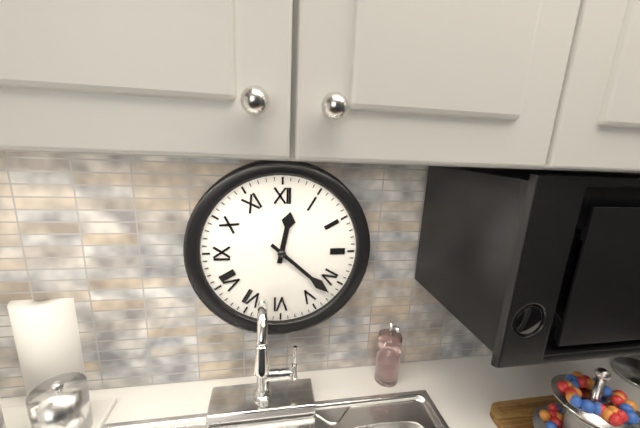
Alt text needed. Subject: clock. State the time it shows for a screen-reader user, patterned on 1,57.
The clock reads 12,22
